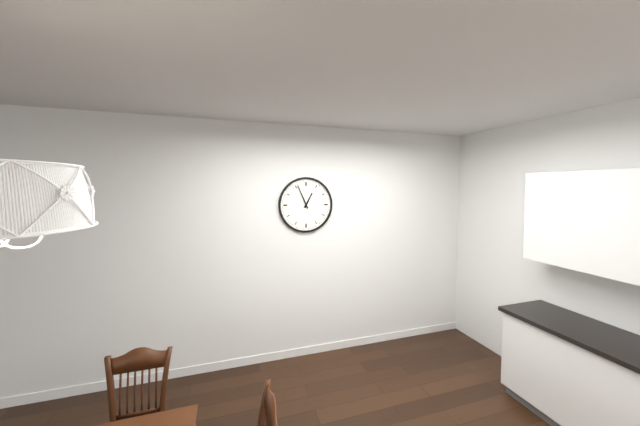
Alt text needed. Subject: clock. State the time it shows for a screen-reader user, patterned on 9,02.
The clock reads 12,56
